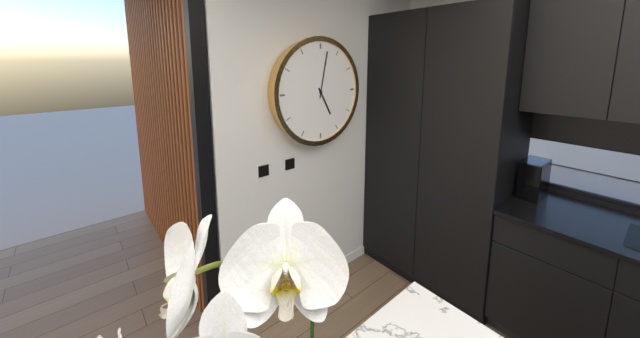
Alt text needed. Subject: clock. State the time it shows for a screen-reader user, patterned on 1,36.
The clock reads 5,02
